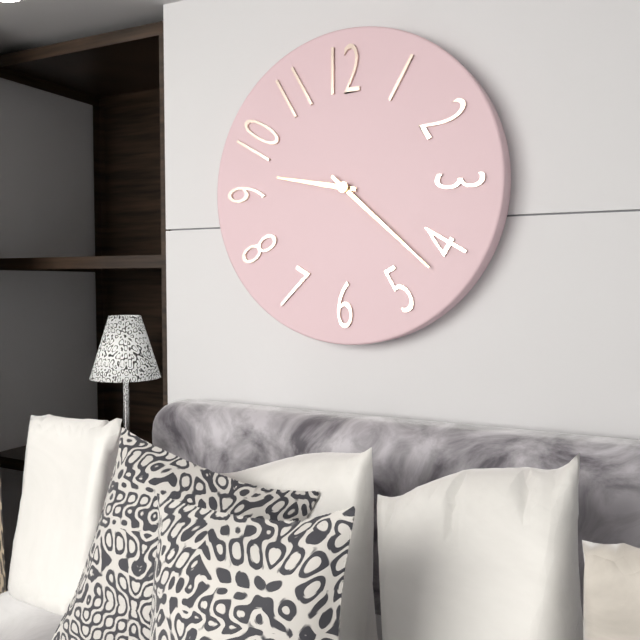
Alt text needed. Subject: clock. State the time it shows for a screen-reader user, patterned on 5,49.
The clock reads 9,22
